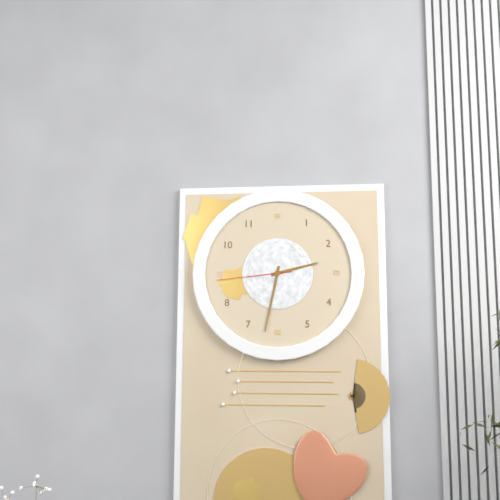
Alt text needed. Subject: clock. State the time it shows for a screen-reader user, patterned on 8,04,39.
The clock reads 2,32,44
